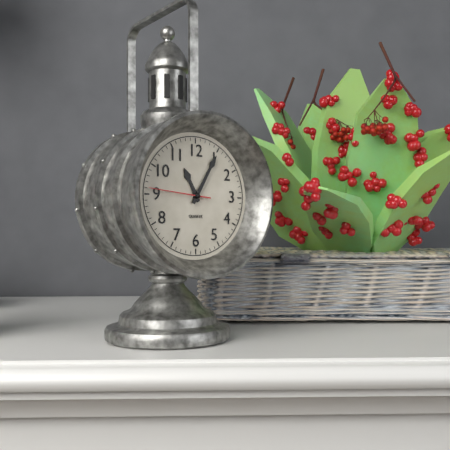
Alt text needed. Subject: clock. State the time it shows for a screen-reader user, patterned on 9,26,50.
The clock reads 11,05,46
